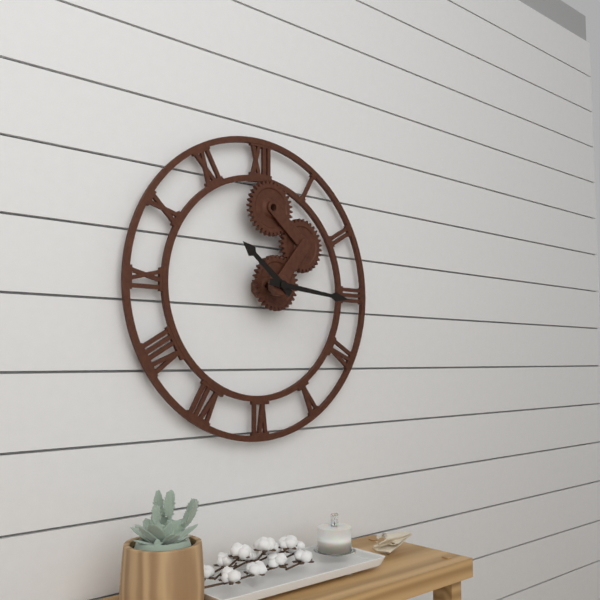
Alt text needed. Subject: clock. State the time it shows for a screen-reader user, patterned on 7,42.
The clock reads 10,16
